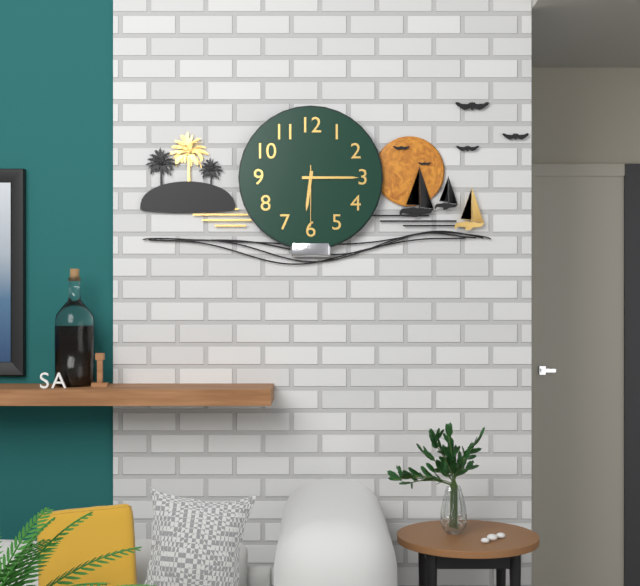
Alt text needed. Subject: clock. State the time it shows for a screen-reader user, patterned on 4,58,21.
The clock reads 6,15,30
